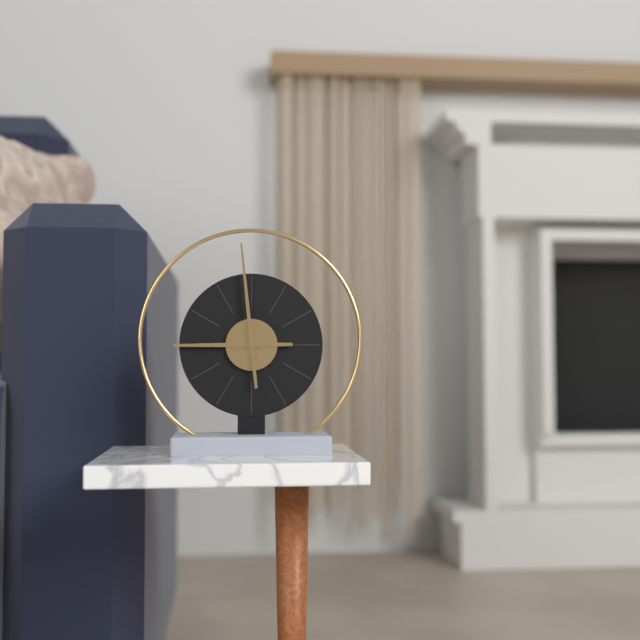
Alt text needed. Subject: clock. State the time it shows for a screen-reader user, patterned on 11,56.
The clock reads 8,59
